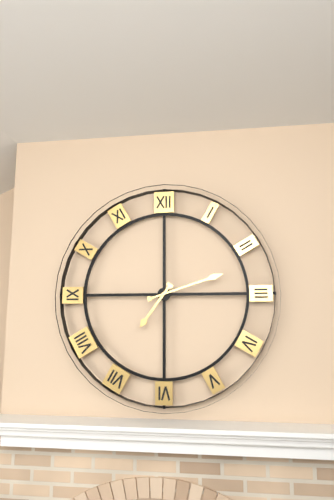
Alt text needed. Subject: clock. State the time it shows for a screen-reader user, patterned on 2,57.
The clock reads 7,12
